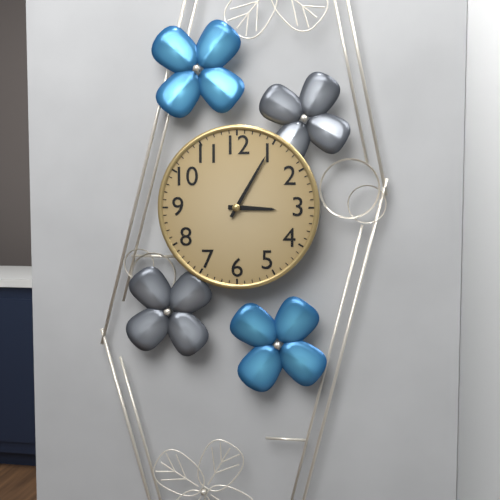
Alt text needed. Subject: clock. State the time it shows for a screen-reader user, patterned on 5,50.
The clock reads 3,05
